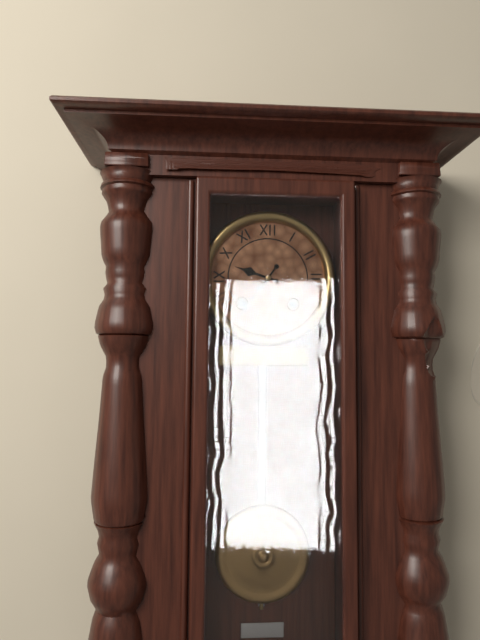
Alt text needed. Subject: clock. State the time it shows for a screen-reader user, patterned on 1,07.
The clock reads 9,36
